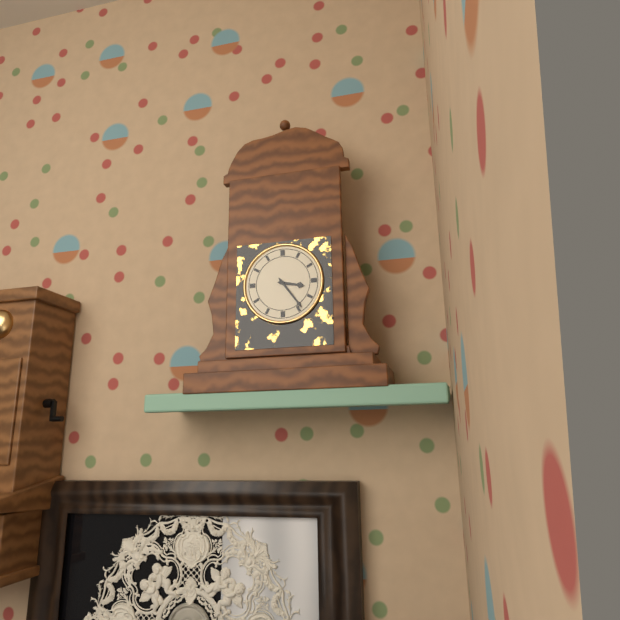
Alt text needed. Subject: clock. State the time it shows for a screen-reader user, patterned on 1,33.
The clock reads 3,24
